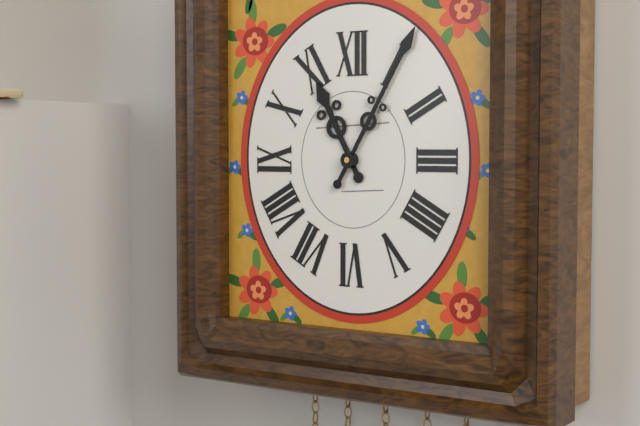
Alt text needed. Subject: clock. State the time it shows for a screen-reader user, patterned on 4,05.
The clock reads 11,05
